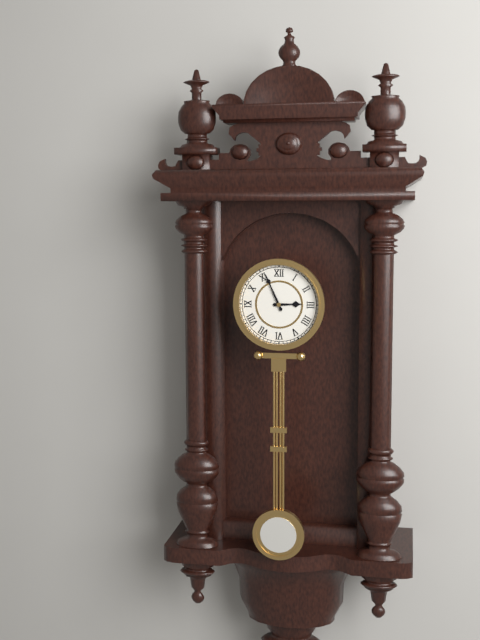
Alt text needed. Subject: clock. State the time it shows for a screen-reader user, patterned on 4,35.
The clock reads 2,56
